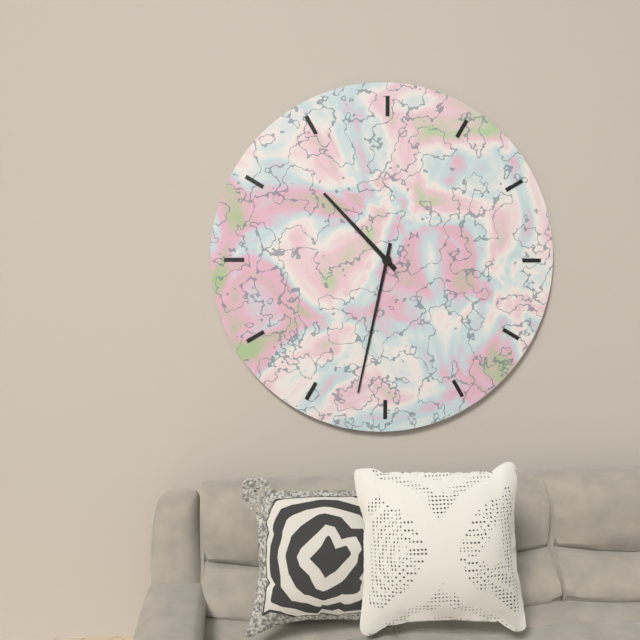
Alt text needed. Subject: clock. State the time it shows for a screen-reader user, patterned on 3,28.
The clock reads 10,32
